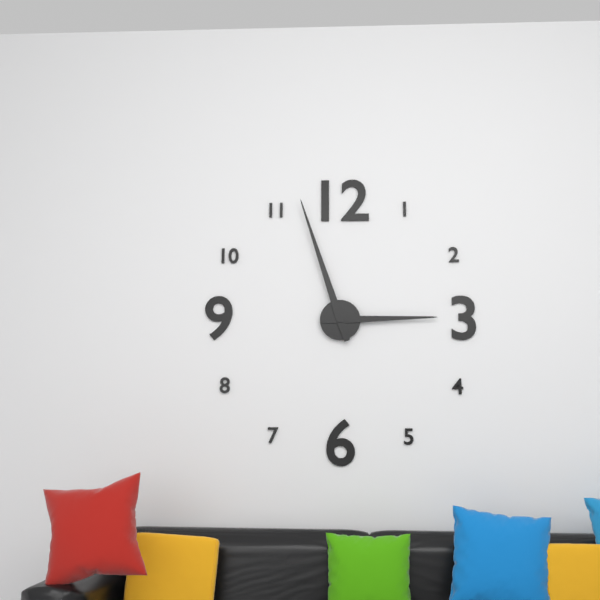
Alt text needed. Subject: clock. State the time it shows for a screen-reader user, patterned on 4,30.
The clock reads 2,57
